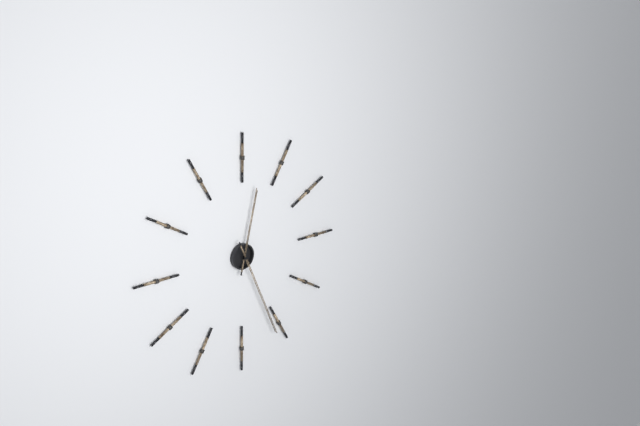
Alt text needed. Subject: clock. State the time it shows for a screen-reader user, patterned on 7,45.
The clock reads 12,26
